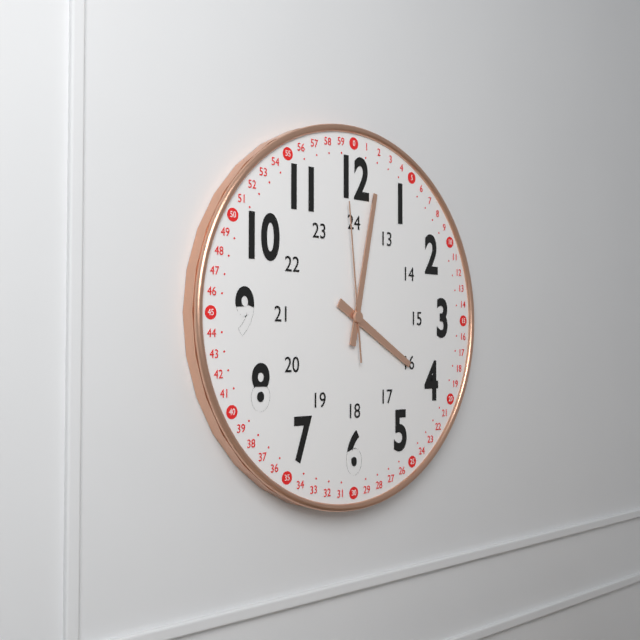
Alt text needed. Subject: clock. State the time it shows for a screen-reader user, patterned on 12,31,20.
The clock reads 4,02,59
